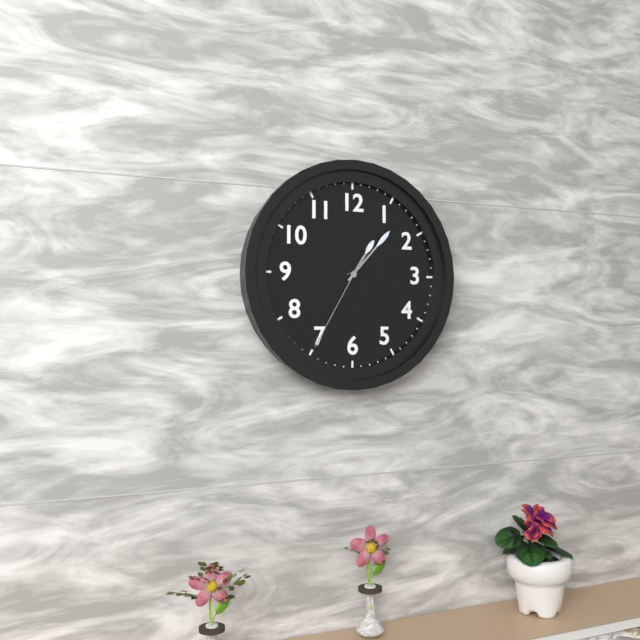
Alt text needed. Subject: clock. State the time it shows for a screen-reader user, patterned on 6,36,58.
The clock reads 1,07,35
